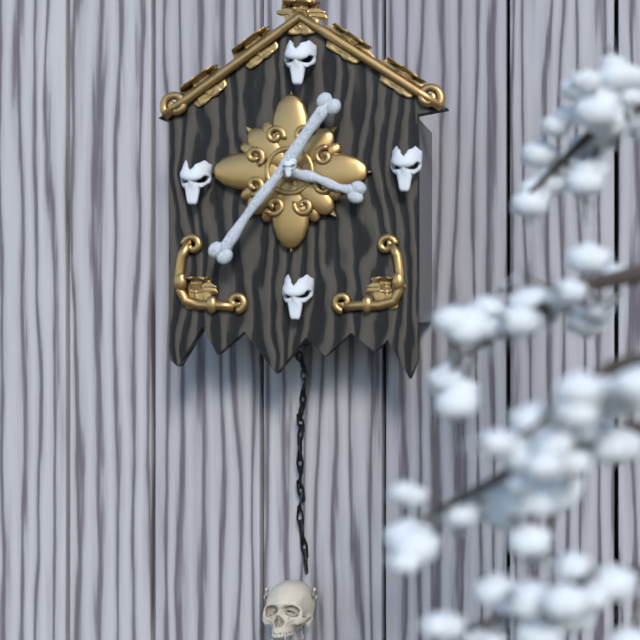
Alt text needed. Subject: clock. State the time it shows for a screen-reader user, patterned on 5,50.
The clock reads 3,36
